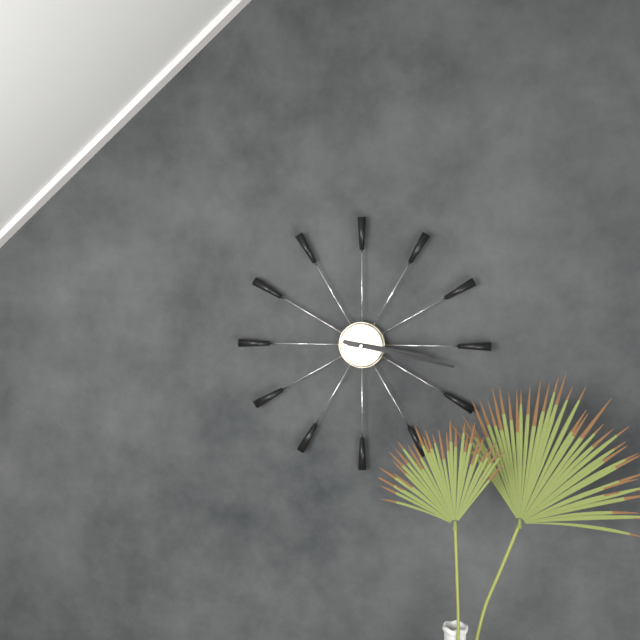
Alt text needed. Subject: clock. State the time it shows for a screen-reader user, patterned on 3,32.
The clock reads 3,17
